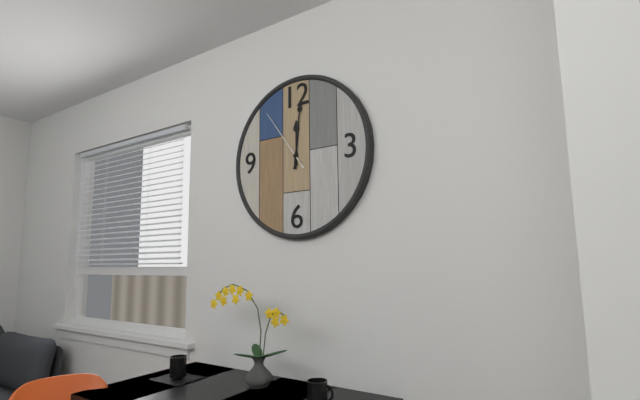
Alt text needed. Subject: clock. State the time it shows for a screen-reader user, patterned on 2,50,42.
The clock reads 12,01,54
